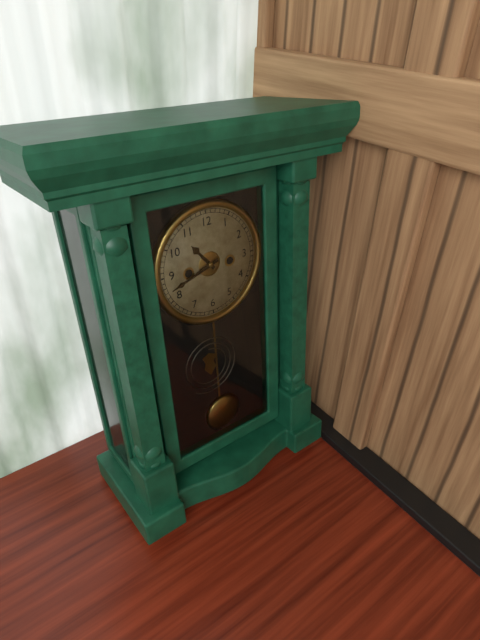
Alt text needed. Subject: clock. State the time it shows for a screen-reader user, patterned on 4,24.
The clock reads 10,42
